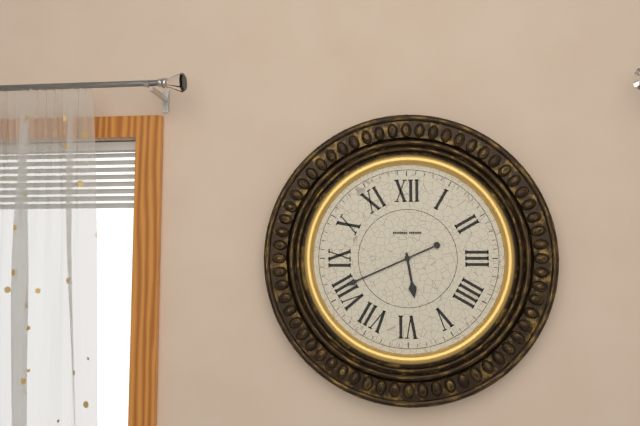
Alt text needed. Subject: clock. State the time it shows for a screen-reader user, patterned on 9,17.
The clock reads 5,41
